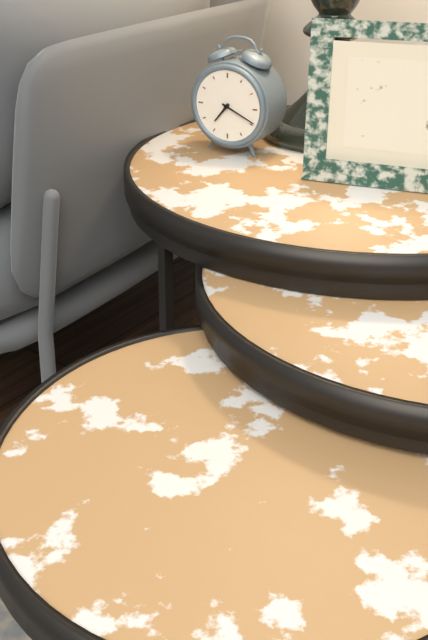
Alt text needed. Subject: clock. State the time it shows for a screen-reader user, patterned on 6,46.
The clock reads 7,19
